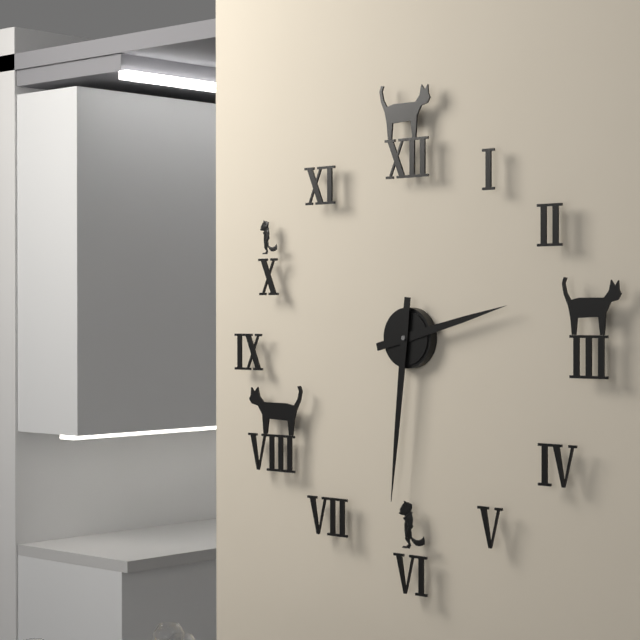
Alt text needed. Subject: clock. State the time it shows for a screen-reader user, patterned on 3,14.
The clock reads 2,31
